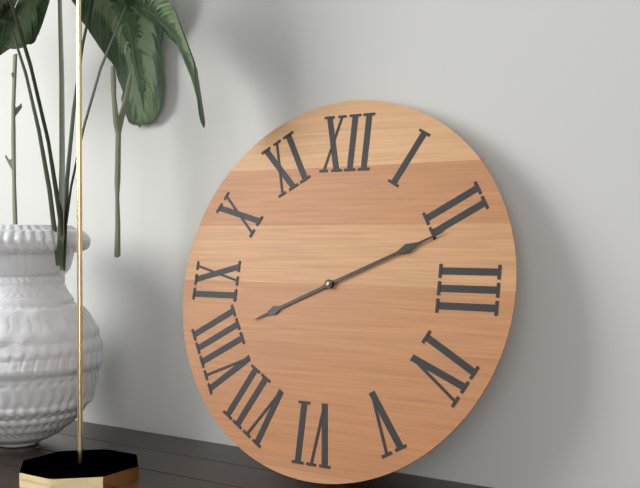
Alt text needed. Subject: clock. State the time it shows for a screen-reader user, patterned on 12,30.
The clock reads 8,11
